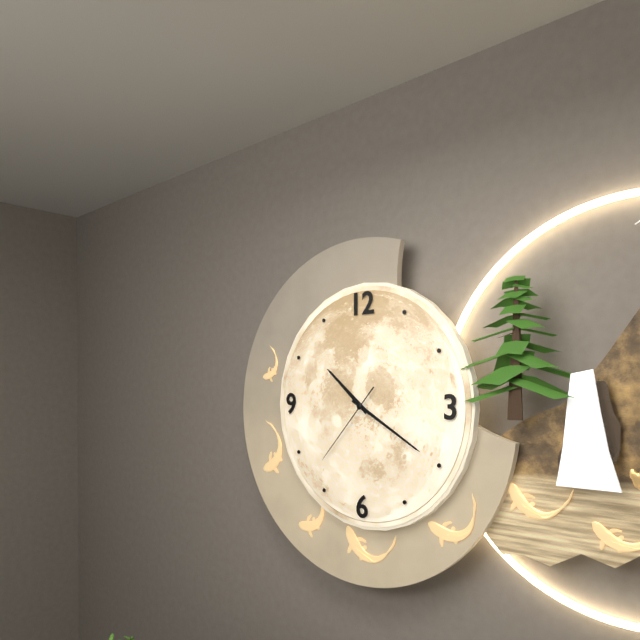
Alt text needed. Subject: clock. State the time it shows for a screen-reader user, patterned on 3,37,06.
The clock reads 10,20,37
